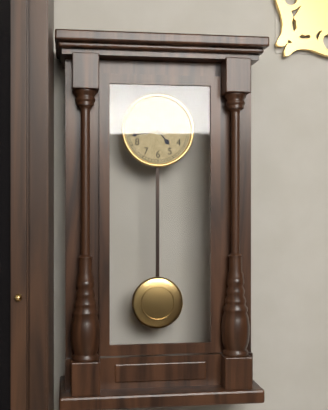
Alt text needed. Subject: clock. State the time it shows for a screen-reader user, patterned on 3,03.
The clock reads 4,43
